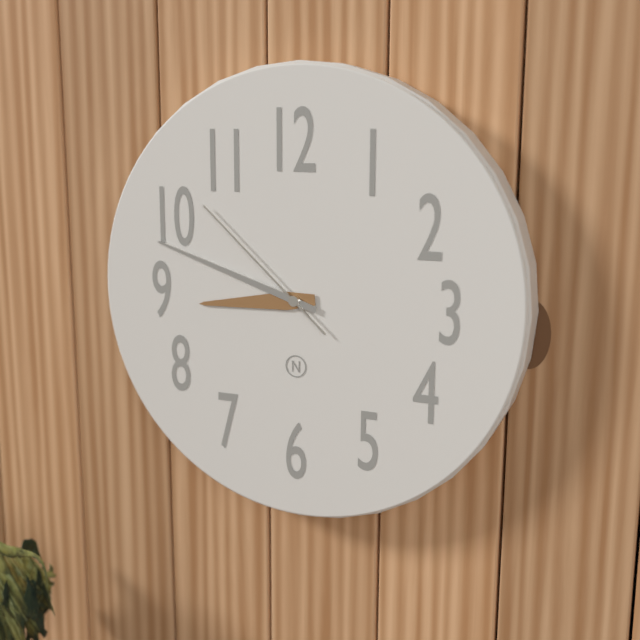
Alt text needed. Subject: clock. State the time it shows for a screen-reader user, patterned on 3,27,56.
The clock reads 8,48,52
